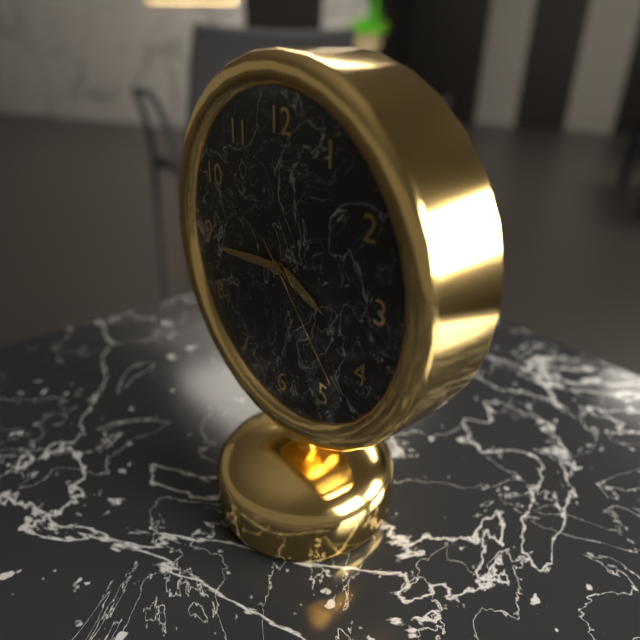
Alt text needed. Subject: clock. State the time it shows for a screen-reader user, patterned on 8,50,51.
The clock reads 3,44,23
